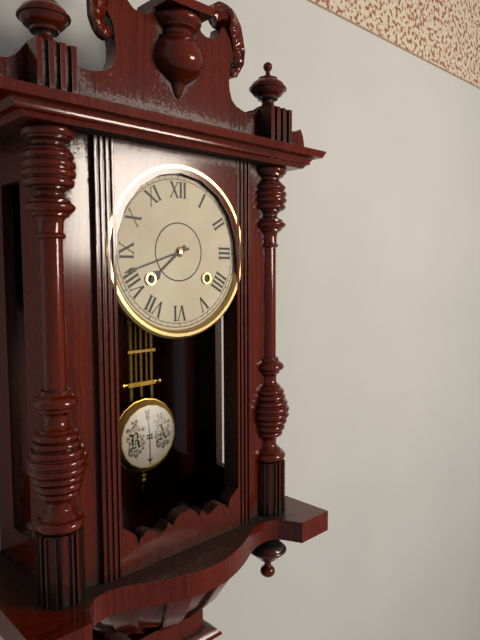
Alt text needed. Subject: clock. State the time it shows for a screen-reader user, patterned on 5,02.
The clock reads 7,42
